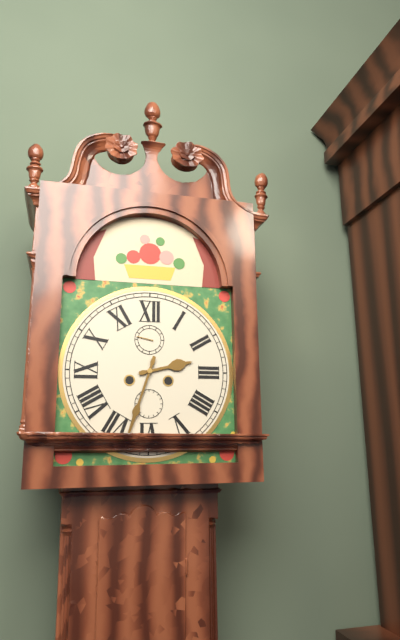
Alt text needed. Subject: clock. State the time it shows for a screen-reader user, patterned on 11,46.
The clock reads 2,33
